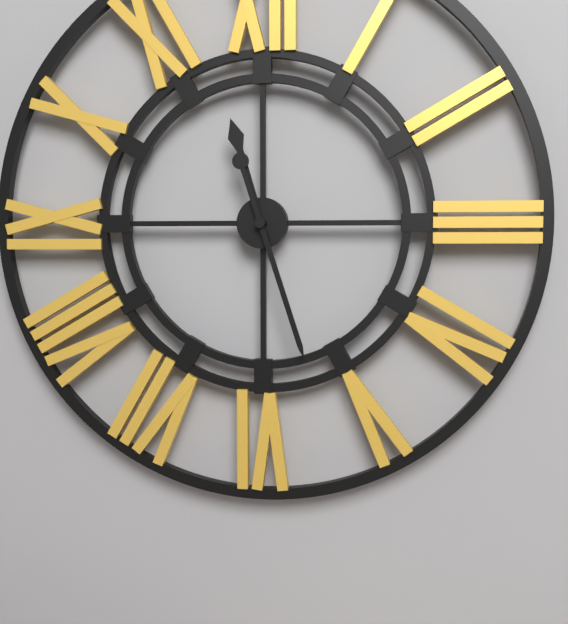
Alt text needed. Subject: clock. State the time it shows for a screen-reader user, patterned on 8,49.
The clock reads 11,27
